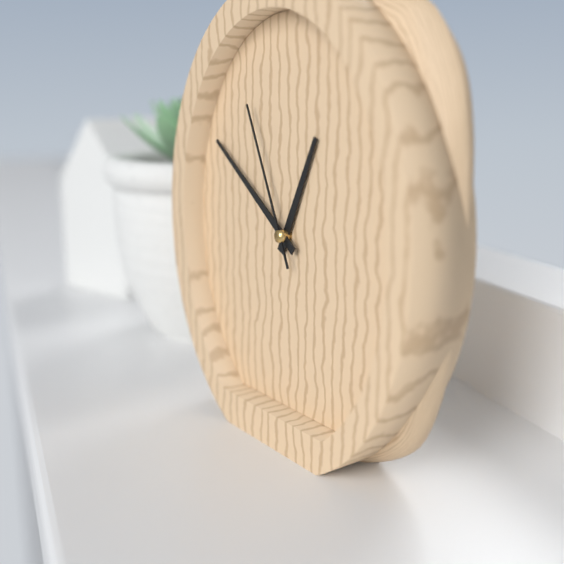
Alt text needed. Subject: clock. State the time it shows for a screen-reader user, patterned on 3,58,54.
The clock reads 12,51,56
